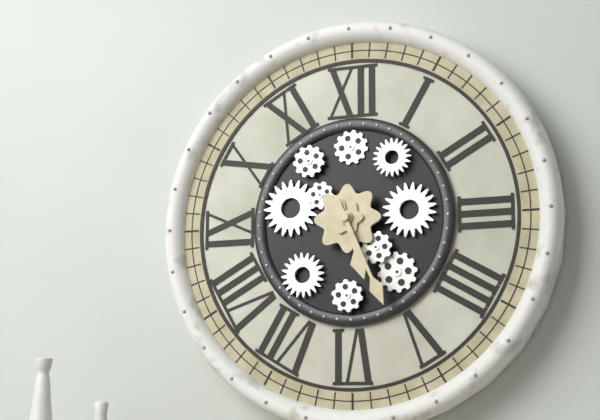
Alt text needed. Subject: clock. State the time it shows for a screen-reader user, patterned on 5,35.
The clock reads 5,26
